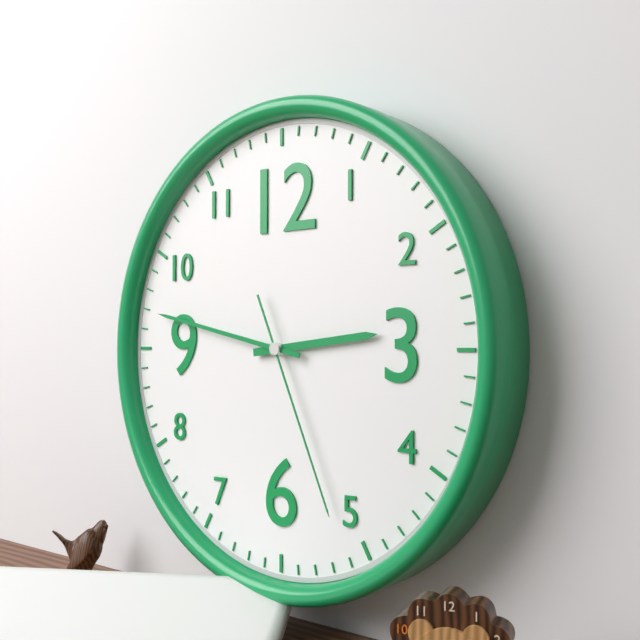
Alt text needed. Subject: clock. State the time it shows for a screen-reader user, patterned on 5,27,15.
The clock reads 2,47,26
